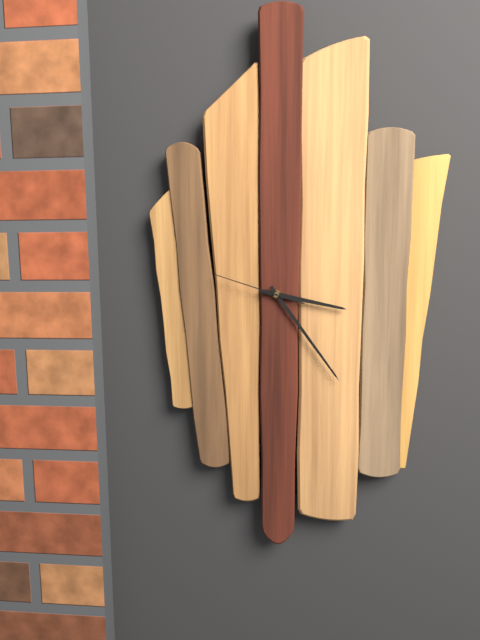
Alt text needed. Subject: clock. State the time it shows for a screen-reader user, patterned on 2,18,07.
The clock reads 3,24,48
